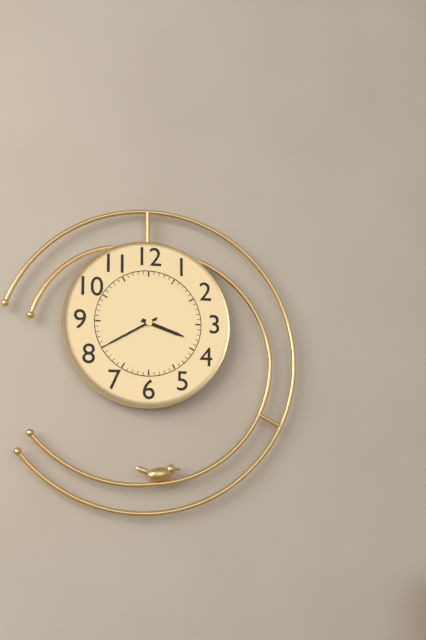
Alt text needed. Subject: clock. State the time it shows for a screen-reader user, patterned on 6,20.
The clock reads 3,40
